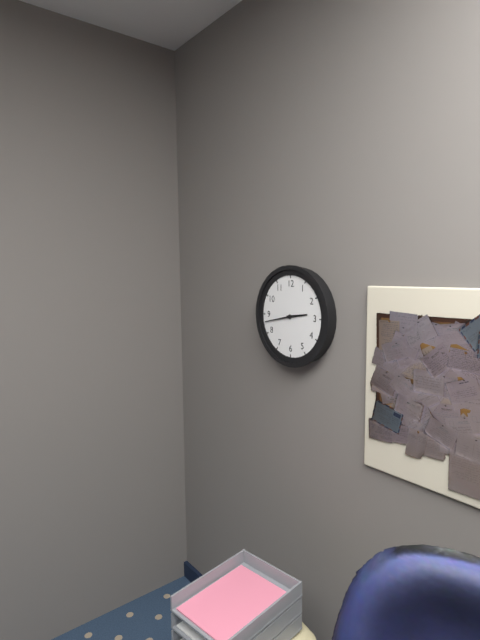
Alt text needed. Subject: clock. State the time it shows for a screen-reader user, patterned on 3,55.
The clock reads 2,43
